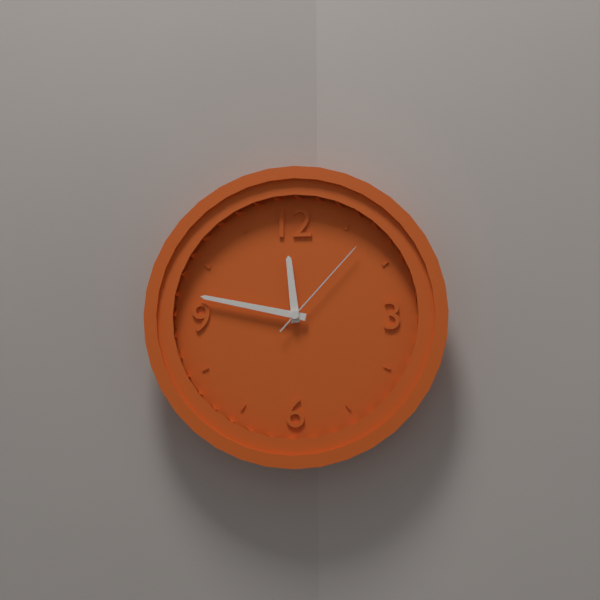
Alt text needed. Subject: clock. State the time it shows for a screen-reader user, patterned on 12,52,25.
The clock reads 11,47,07
